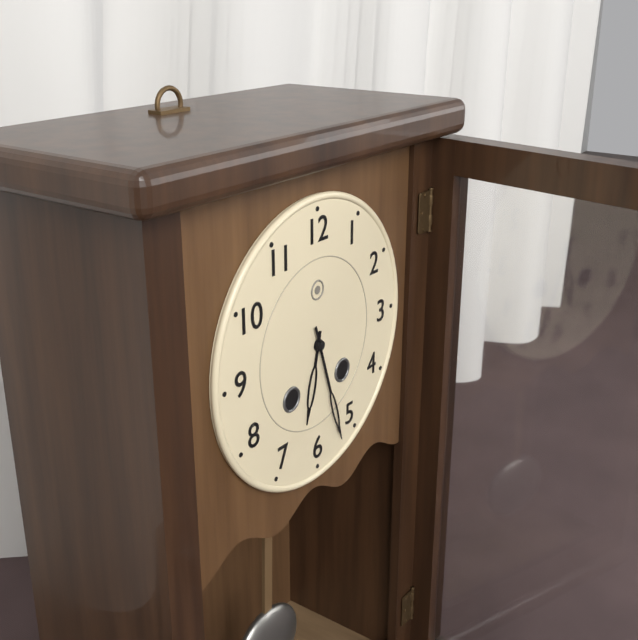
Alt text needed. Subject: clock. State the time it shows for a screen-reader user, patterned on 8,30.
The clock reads 6,27
